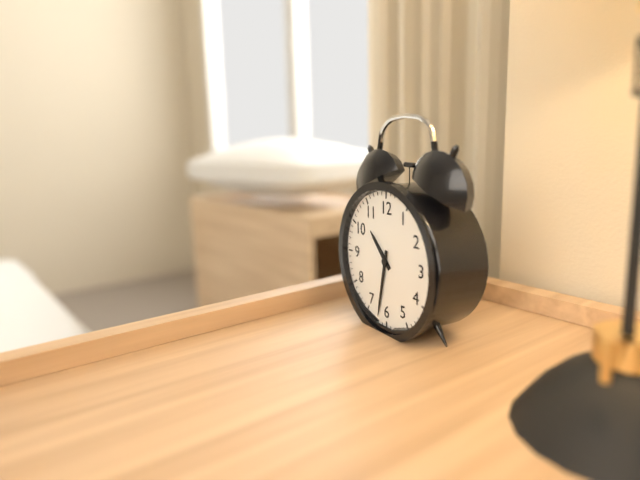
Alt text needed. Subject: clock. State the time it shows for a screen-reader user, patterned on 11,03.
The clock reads 10,32
